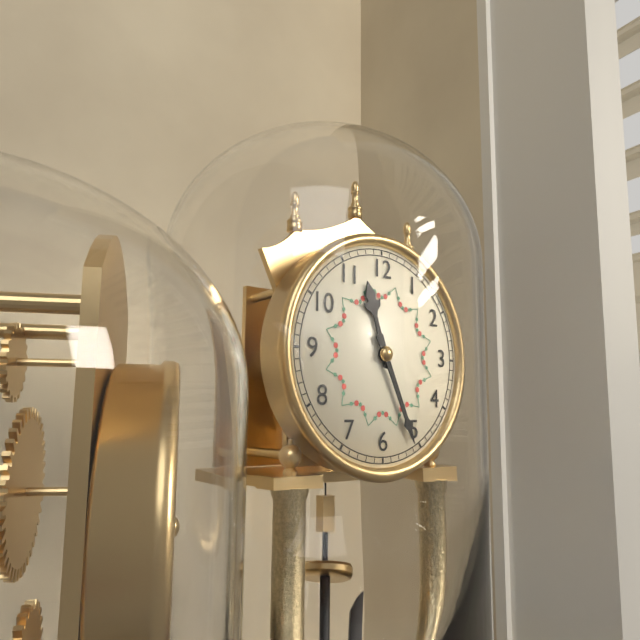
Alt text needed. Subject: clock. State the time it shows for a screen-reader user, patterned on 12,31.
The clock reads 11,26
